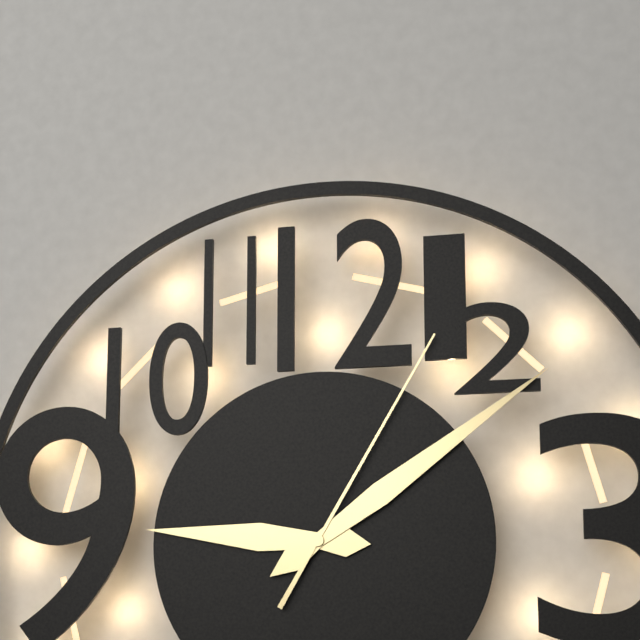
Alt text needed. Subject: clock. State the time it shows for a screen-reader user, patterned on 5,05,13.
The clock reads 9,09,05
